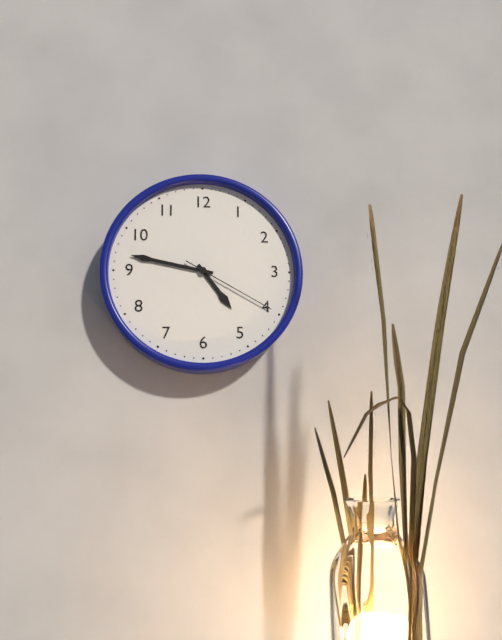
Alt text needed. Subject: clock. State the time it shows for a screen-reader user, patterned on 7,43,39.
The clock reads 4,47,20
